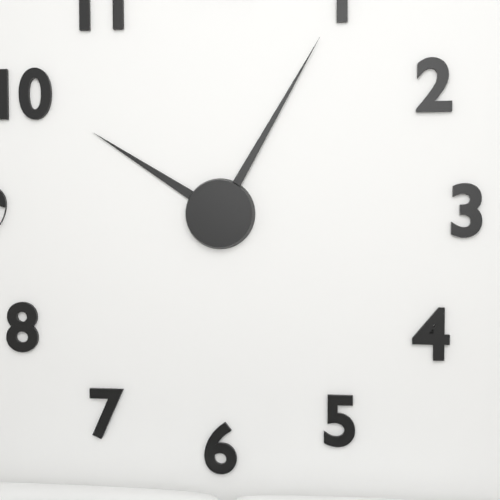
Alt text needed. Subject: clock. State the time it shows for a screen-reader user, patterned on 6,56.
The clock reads 10,05
